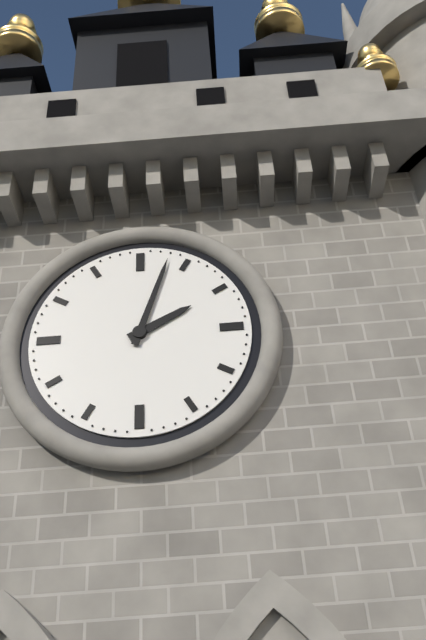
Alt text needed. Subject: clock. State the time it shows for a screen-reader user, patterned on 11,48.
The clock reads 2,03
